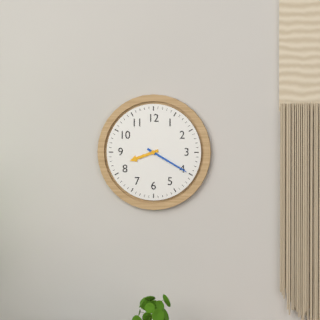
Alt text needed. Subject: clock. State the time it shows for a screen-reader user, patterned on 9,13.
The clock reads 8,20
